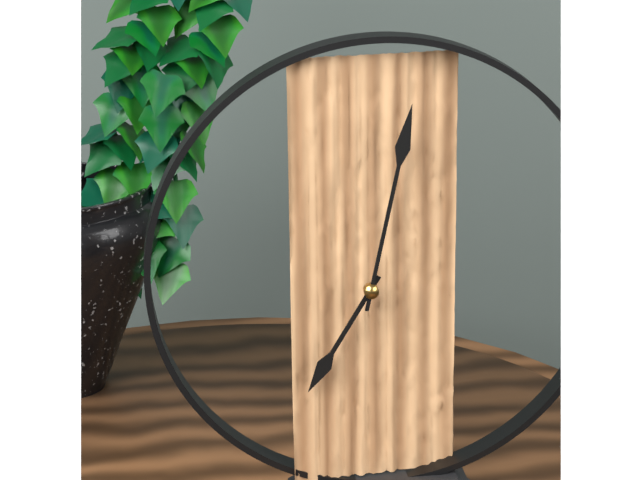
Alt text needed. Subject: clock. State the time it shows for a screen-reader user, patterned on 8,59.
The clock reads 7,02
